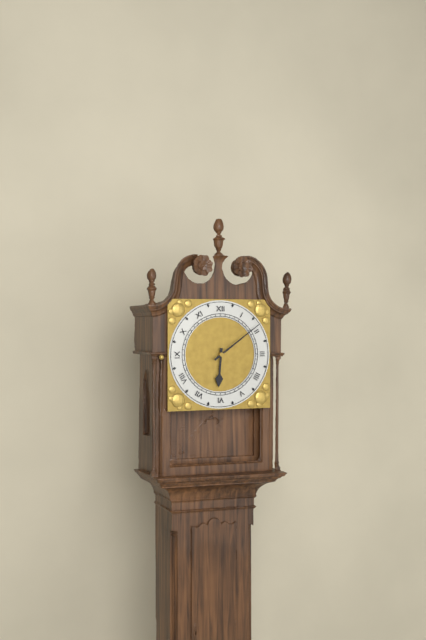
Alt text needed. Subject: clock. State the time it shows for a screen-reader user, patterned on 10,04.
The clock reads 6,09
